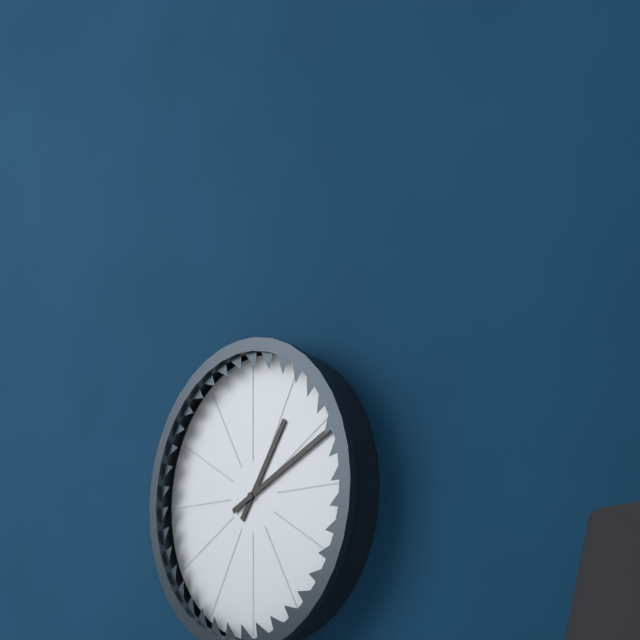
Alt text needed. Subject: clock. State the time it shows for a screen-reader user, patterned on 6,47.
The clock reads 1,11
